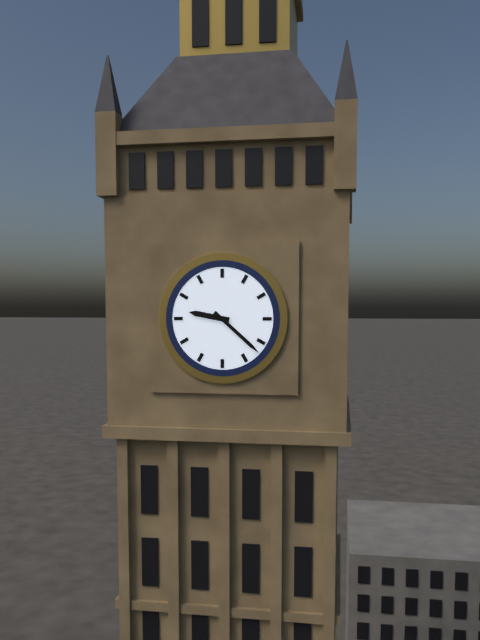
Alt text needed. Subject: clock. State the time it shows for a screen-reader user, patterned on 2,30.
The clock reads 9,22
